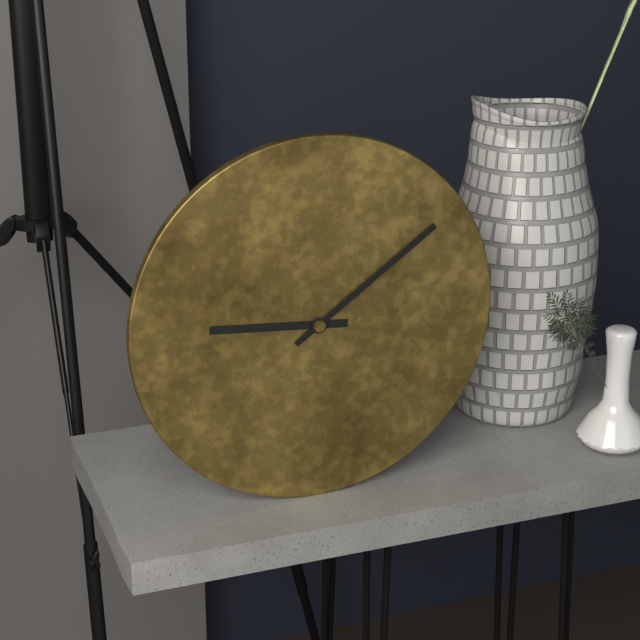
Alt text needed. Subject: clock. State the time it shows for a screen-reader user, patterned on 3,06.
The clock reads 9,09
